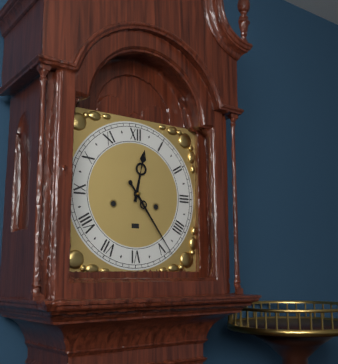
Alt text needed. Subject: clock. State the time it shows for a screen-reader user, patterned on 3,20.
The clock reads 12,24
